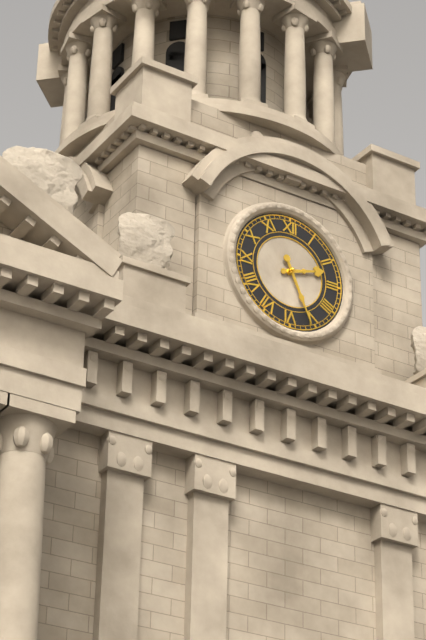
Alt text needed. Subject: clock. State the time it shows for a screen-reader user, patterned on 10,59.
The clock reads 2,26
